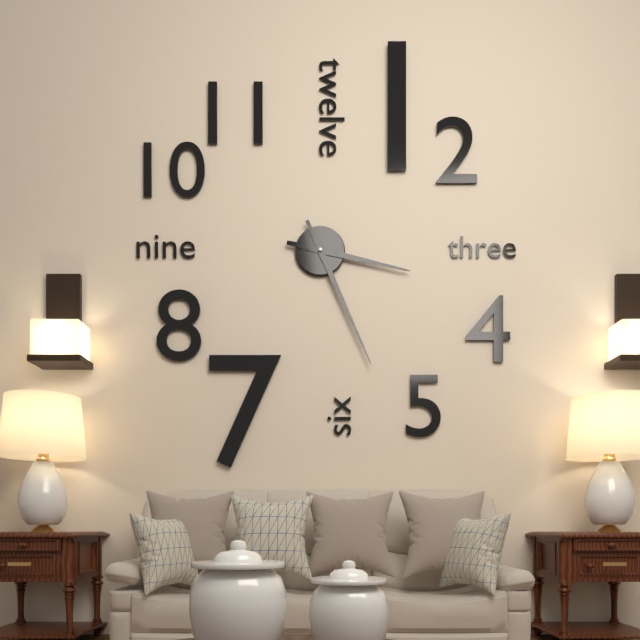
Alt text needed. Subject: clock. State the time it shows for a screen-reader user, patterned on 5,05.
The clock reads 3,26
